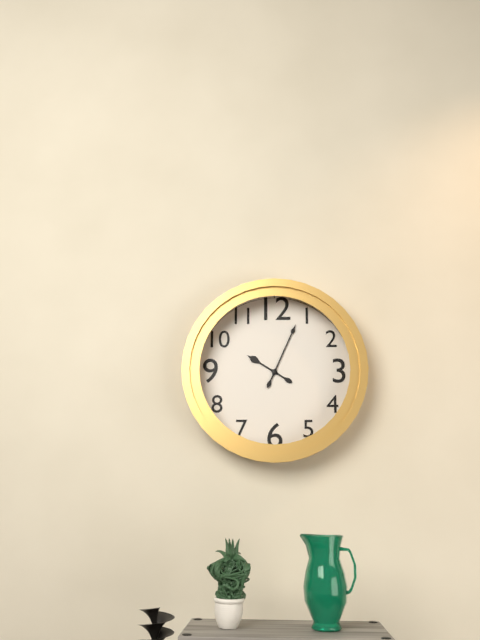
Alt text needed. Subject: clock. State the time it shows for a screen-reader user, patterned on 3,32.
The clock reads 10,04
